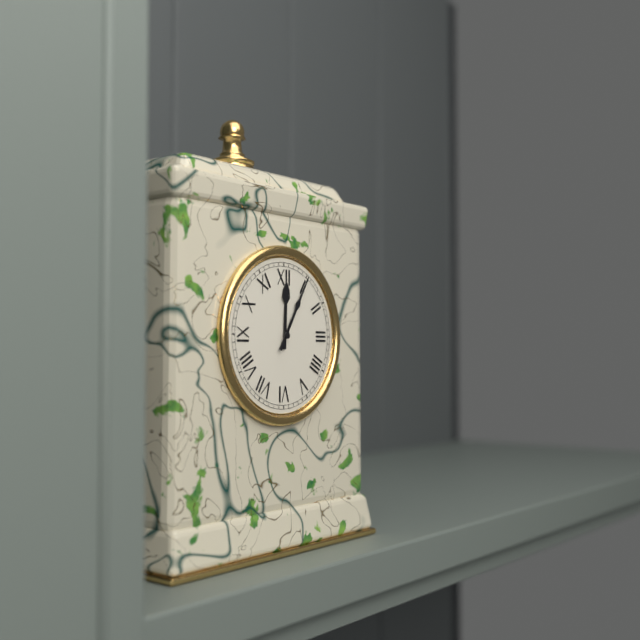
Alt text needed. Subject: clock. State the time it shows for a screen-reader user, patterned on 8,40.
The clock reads 12,05
